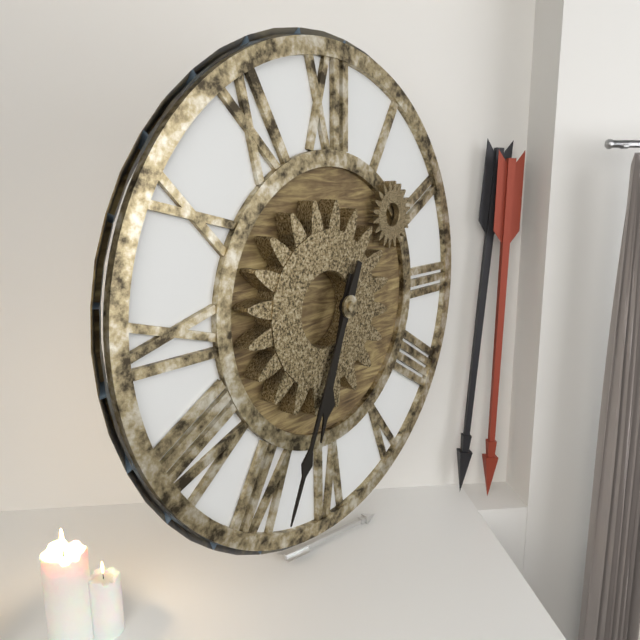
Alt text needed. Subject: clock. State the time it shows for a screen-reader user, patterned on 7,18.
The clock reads 6,34
